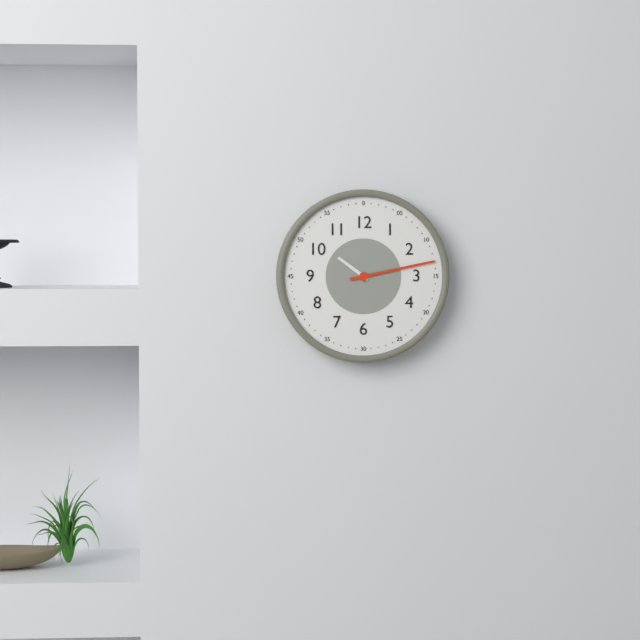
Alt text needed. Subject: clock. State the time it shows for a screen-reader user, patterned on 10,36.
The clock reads 10,13
